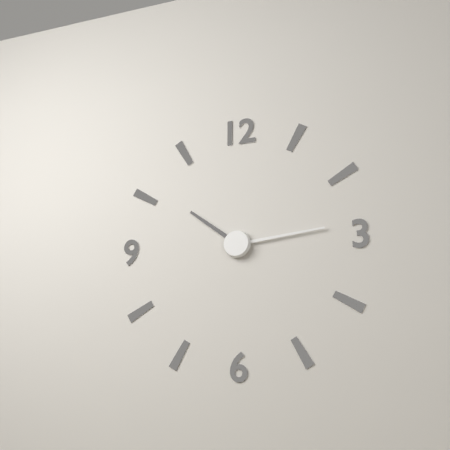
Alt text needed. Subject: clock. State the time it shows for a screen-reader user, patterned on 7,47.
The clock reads 10,14
